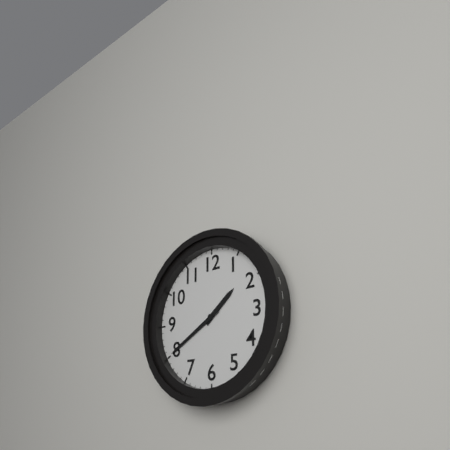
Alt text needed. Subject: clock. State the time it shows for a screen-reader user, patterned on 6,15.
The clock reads 1,40
